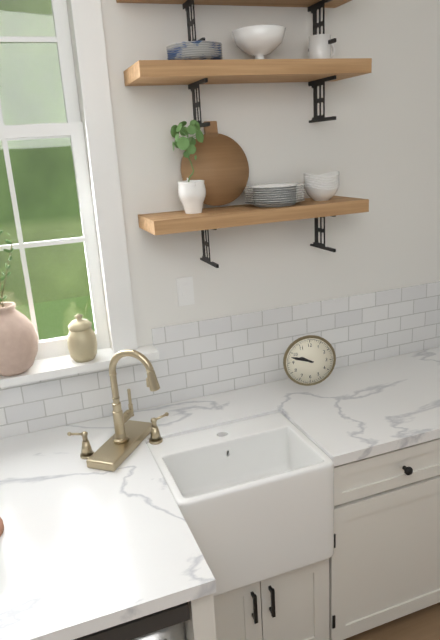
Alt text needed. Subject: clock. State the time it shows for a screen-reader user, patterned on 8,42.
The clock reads 9,48
